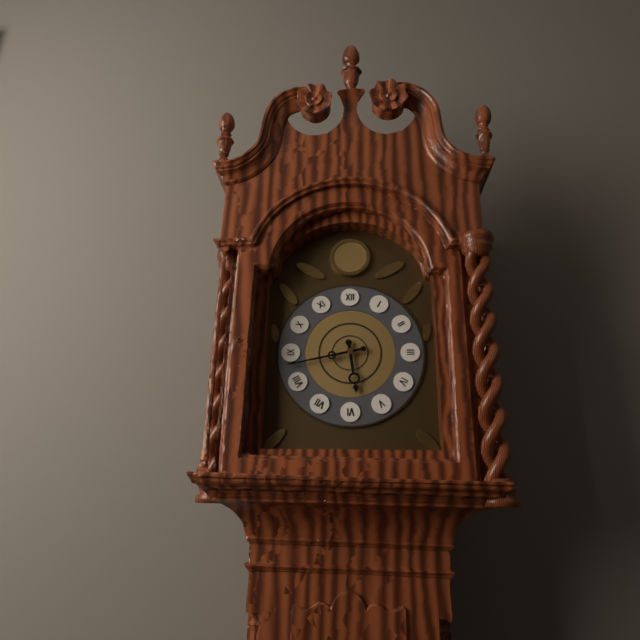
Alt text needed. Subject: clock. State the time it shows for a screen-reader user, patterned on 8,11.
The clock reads 5,43
